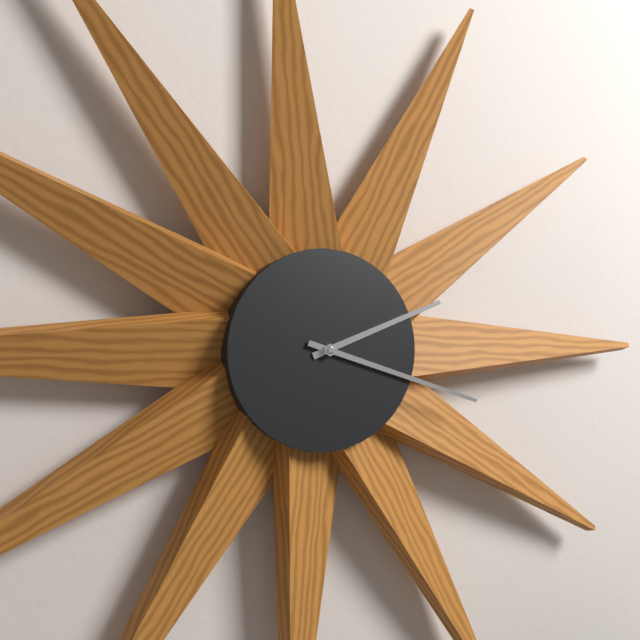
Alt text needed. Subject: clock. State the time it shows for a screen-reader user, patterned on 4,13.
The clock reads 2,18
